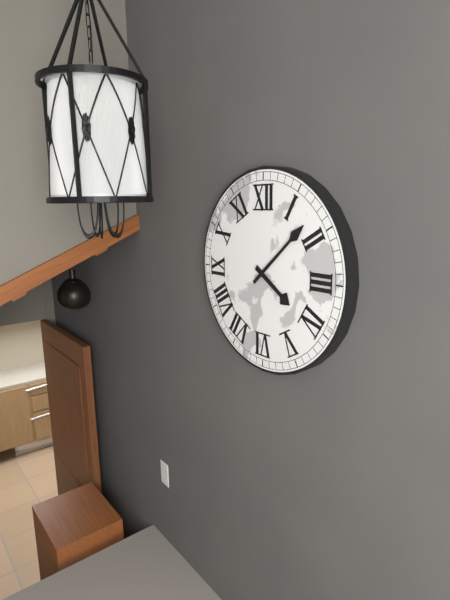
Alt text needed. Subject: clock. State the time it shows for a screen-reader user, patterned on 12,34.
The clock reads 4,08
